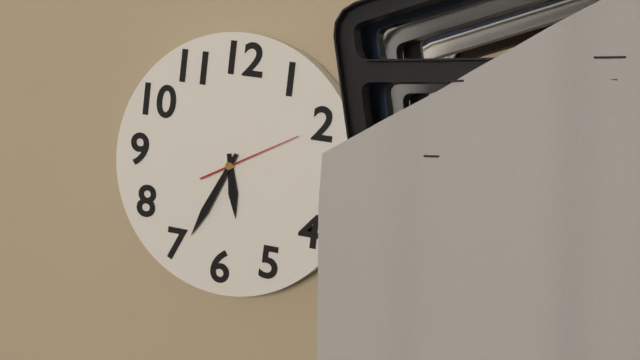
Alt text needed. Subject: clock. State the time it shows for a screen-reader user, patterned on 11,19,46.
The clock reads 5,34,10
